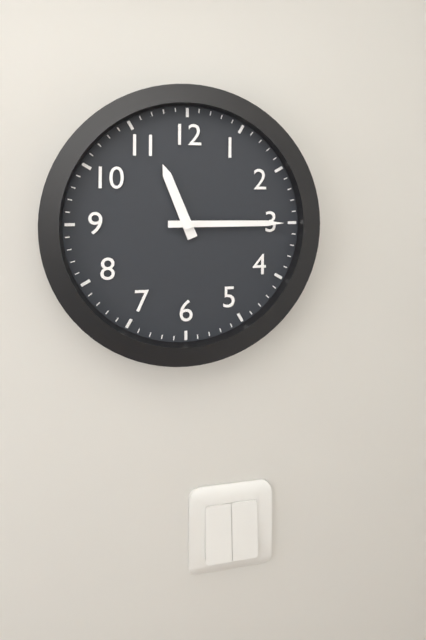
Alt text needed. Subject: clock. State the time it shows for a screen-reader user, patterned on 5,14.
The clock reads 11,15
